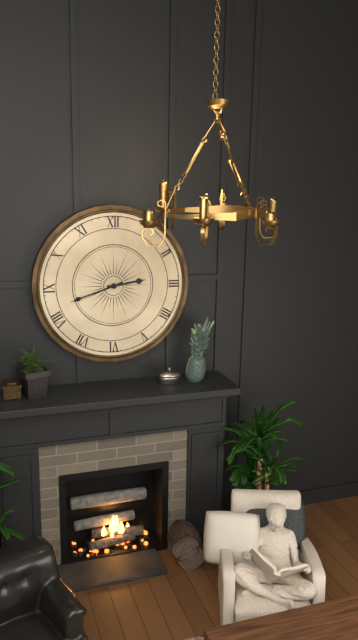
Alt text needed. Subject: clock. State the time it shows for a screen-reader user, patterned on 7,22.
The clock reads 2,42
